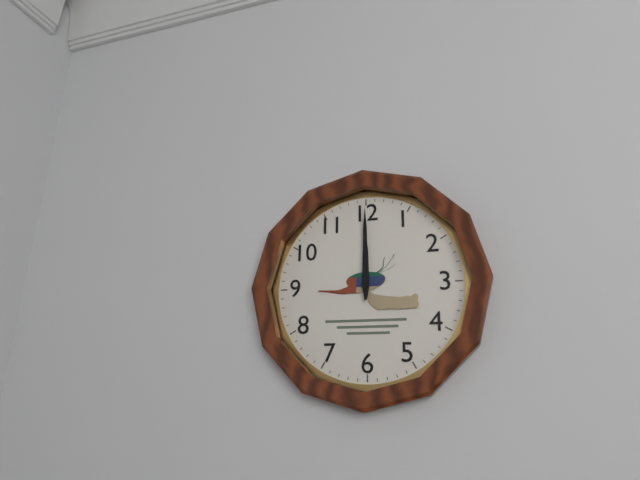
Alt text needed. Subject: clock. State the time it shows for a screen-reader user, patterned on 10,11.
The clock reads 12,00
